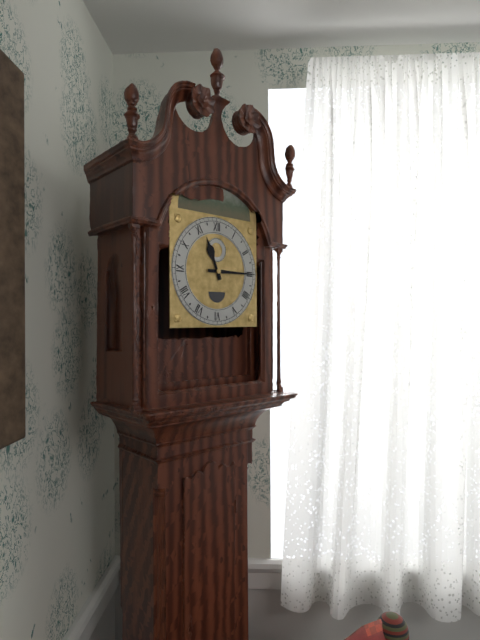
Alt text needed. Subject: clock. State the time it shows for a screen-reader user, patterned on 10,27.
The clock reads 11,15
